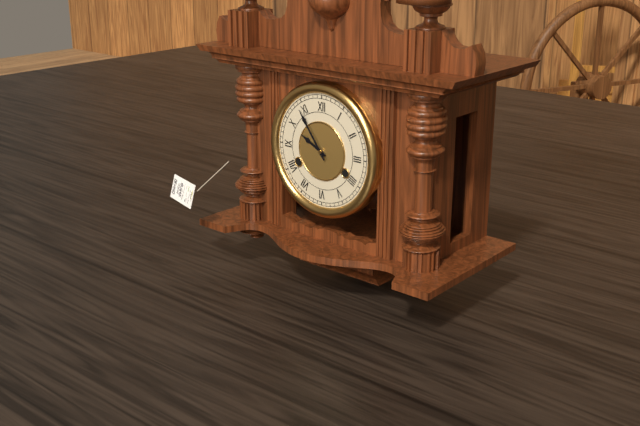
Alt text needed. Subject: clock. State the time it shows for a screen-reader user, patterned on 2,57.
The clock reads 9,54
